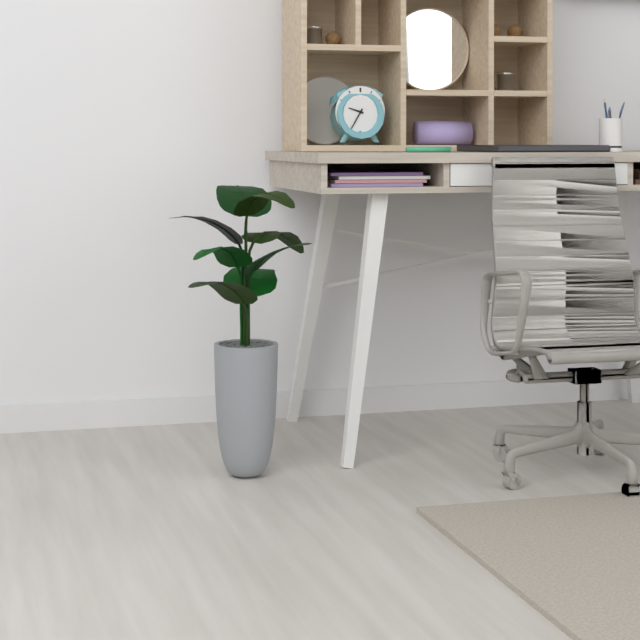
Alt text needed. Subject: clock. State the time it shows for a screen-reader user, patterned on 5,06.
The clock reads 9,35
